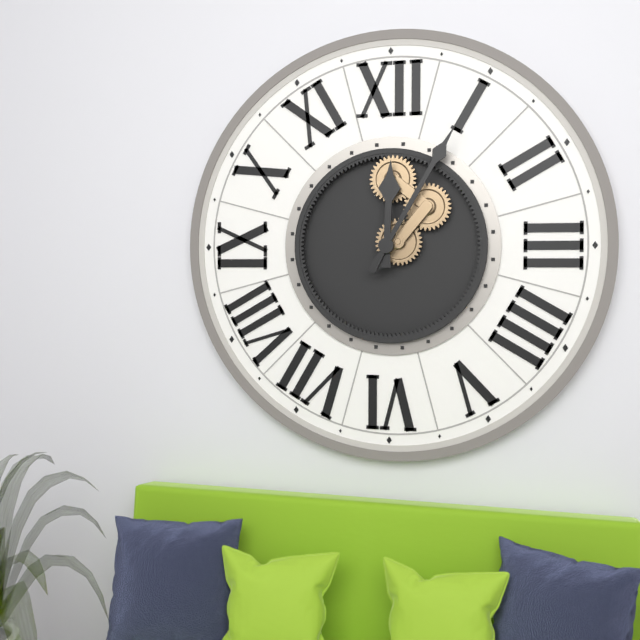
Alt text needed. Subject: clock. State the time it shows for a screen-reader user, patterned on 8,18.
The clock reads 12,05
